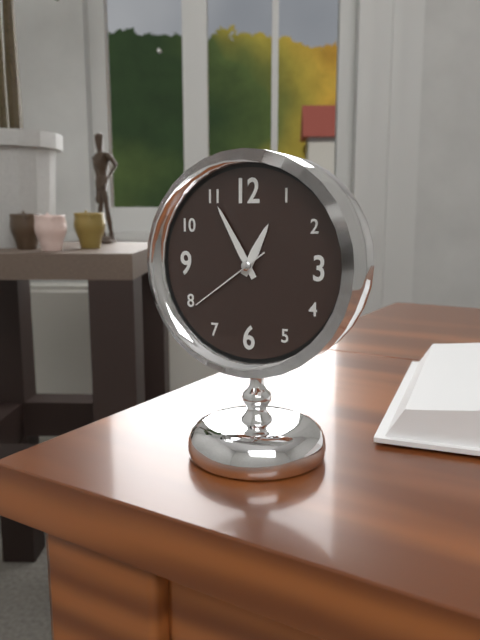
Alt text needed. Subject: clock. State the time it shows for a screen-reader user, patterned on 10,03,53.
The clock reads 12,55,39
